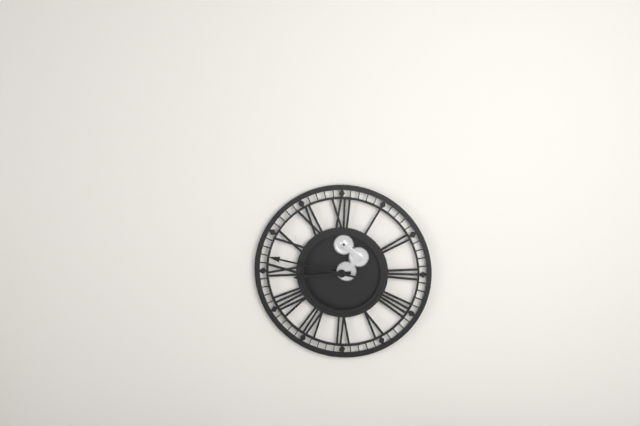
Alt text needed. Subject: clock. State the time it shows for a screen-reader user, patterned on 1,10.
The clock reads 8,47
